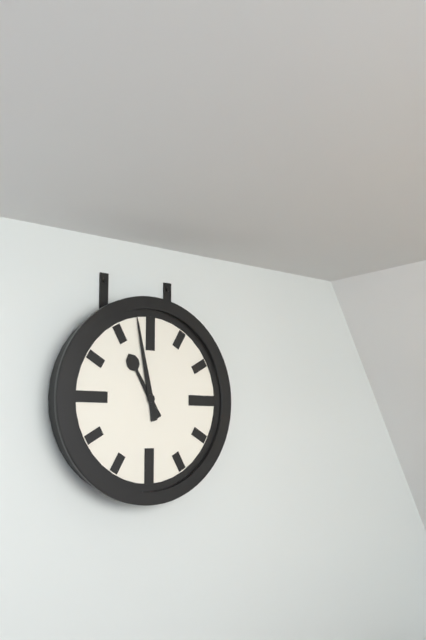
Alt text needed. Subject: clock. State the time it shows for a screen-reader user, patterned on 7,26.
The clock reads 10,58
